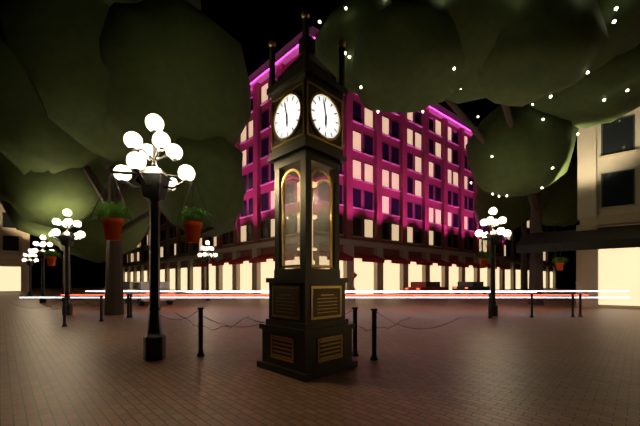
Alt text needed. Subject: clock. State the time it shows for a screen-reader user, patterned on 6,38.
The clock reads 5,58
